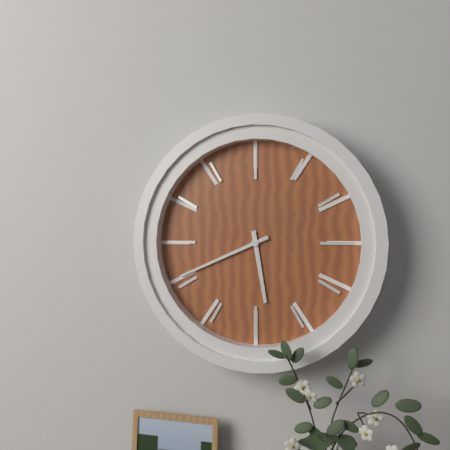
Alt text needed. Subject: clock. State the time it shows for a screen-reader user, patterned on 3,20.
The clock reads 5,41
